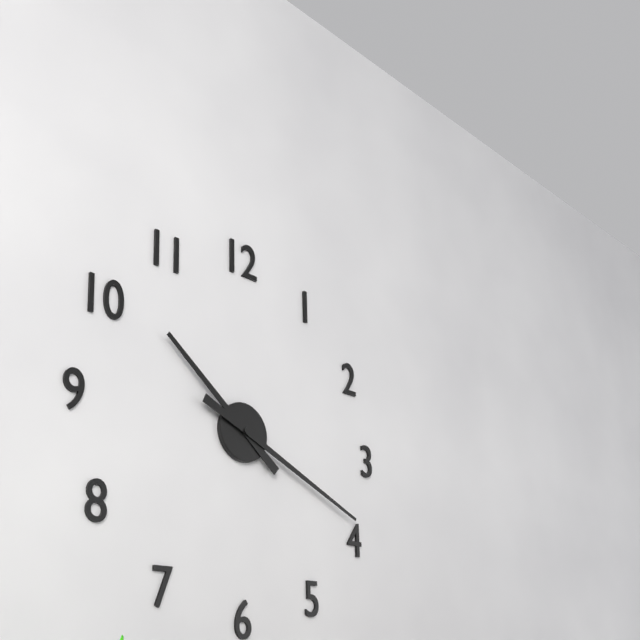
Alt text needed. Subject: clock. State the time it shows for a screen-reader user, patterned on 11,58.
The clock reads 10,19
